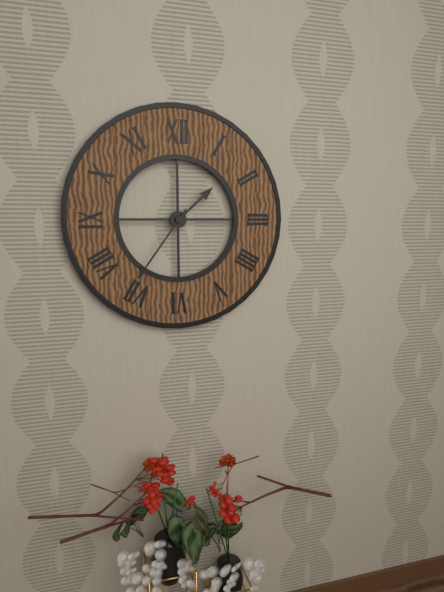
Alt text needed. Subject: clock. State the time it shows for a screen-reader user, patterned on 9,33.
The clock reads 1,36
